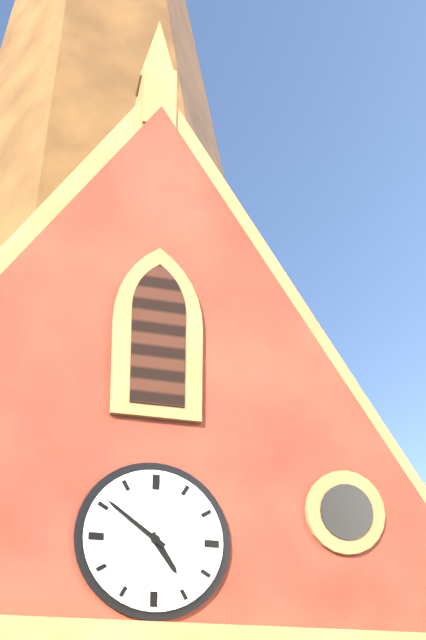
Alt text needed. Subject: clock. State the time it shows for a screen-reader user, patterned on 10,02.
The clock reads 4,51
